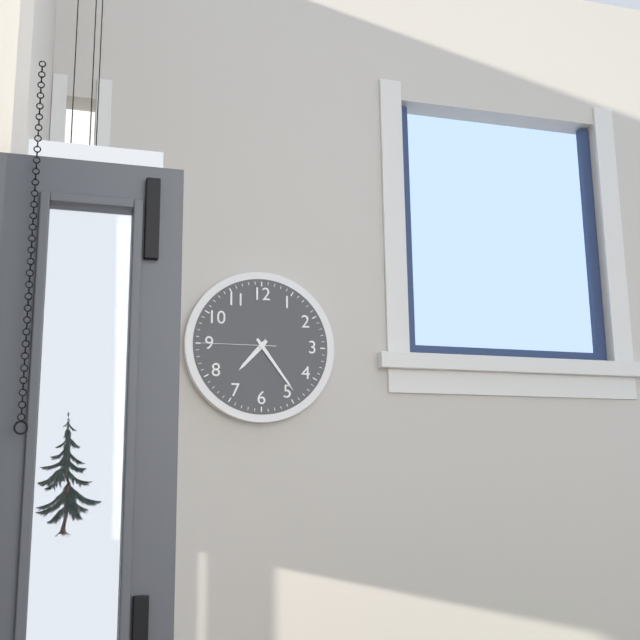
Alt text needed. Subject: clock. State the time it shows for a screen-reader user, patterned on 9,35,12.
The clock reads 7,24,45
